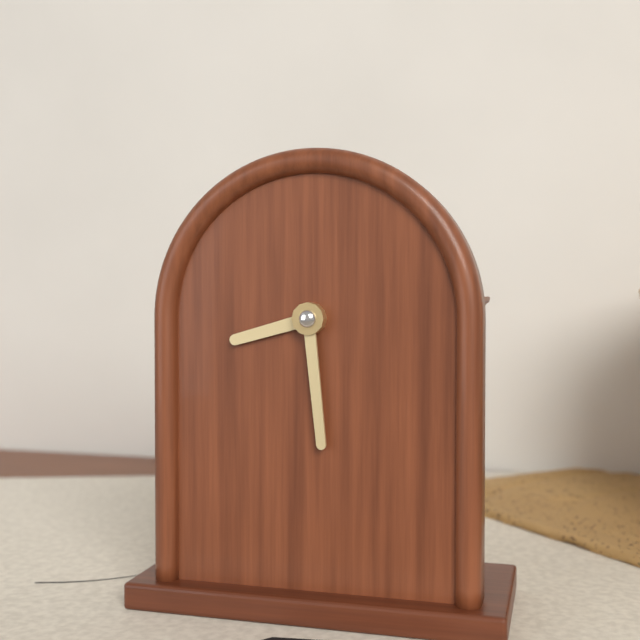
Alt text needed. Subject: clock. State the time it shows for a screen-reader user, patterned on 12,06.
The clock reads 8,29
